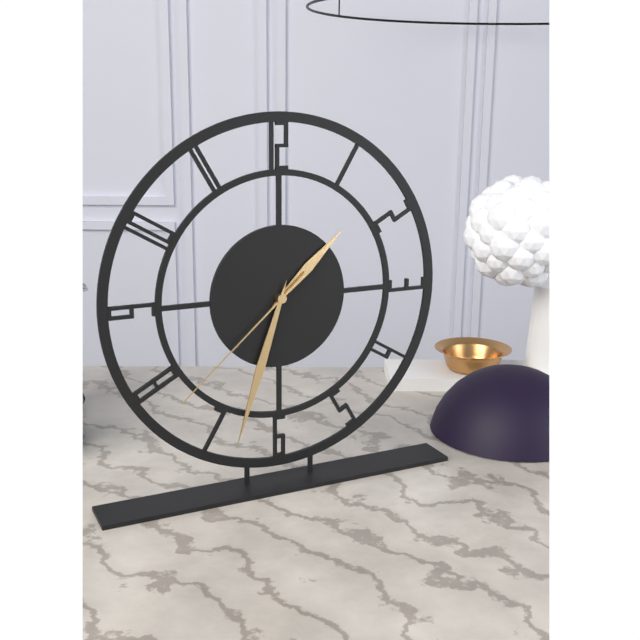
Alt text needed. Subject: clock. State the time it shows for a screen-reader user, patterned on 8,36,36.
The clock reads 1,33,38
